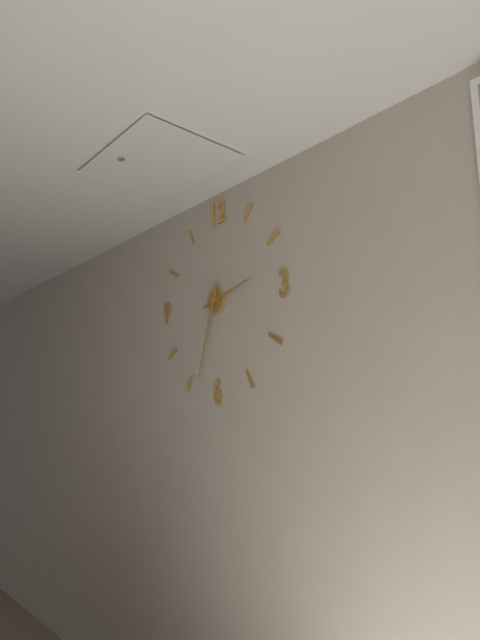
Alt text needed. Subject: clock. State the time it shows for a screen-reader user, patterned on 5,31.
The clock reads 2,33
